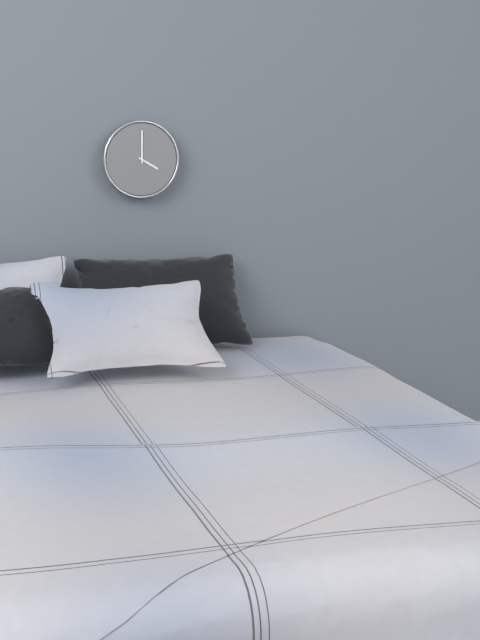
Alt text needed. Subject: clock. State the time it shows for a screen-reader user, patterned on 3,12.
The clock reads 4,00
